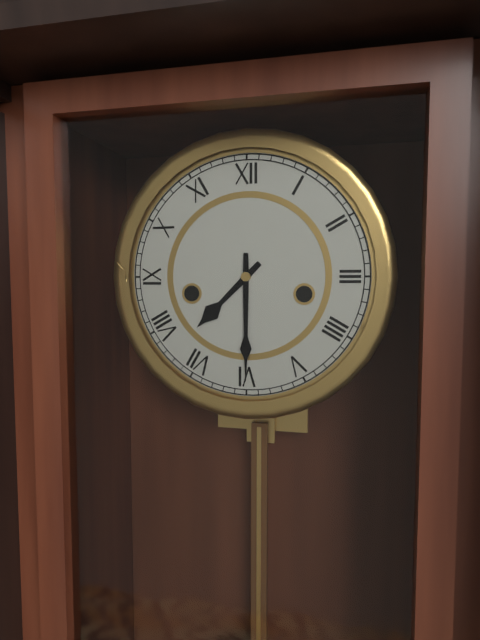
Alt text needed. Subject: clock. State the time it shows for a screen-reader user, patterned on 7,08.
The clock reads 7,30
